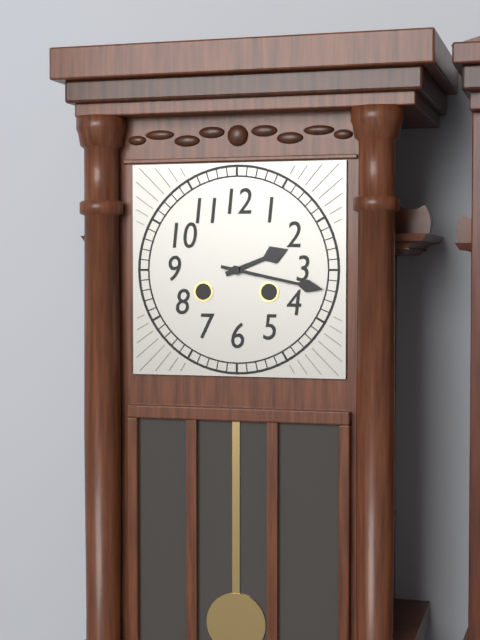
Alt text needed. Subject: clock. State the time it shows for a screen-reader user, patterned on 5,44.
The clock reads 2,17
